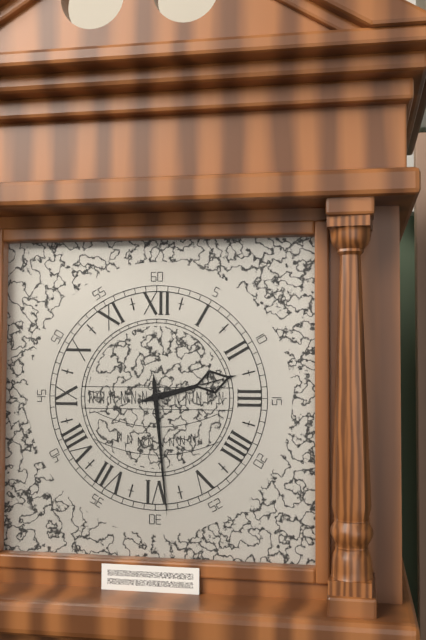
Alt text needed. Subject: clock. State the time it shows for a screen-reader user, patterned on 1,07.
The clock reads 2,29
